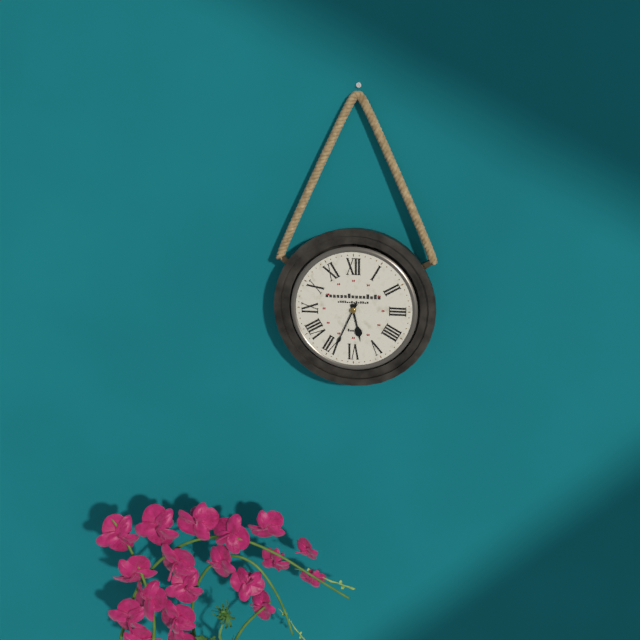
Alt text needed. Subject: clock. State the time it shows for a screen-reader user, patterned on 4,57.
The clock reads 5,34
